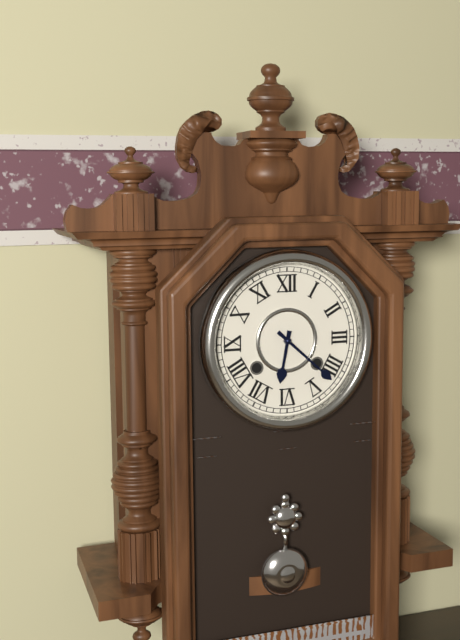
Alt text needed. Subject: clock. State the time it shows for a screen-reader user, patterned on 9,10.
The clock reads 6,22
